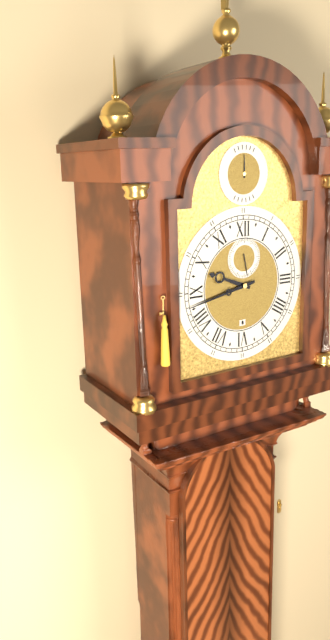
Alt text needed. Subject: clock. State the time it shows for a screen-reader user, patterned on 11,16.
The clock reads 9,43
